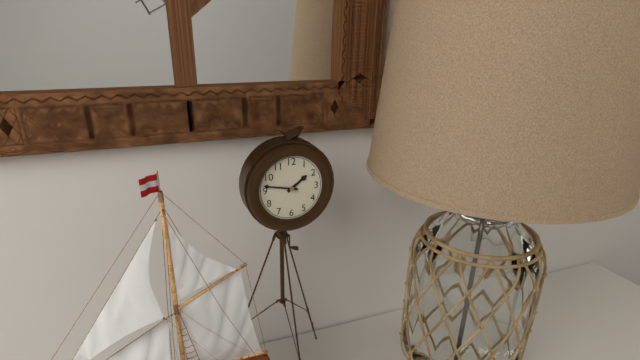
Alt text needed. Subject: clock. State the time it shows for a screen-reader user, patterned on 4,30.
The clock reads 1,47
